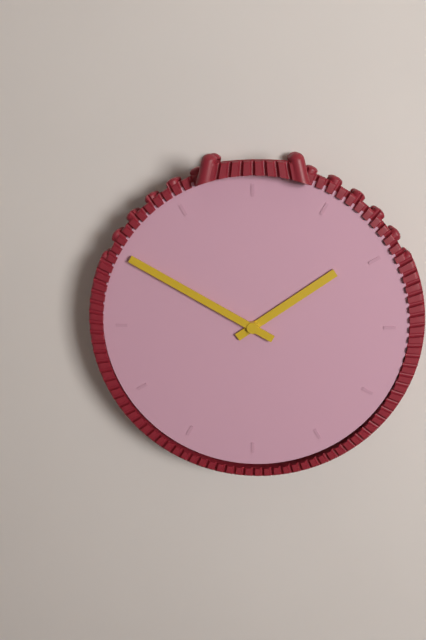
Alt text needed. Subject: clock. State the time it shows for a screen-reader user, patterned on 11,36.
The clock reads 1,50
